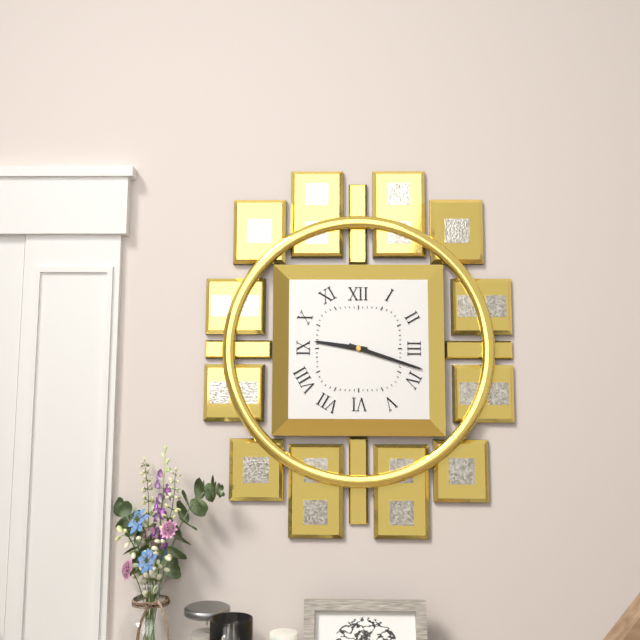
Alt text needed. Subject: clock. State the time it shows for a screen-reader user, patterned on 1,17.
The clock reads 9,18
